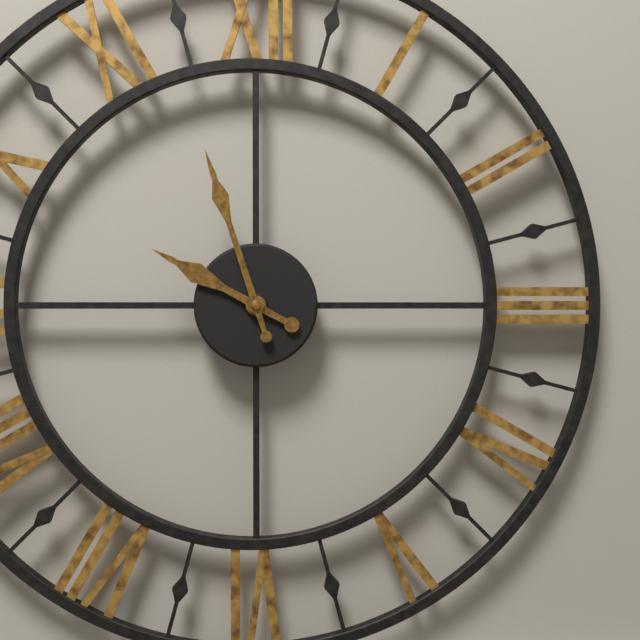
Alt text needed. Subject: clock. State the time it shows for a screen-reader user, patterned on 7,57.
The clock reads 9,57
